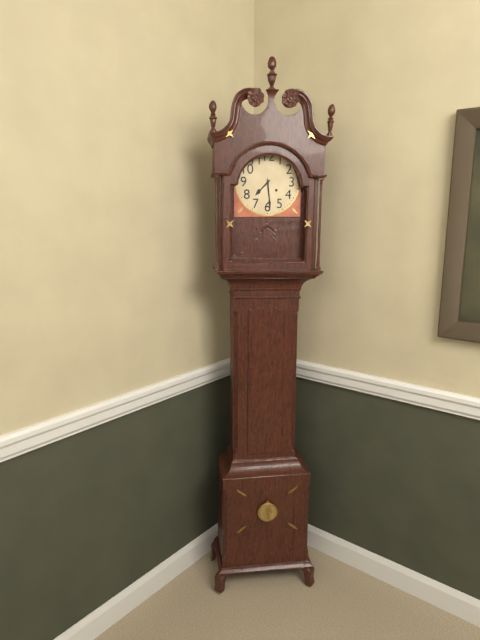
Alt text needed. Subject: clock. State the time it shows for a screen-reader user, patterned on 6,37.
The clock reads 7,29
